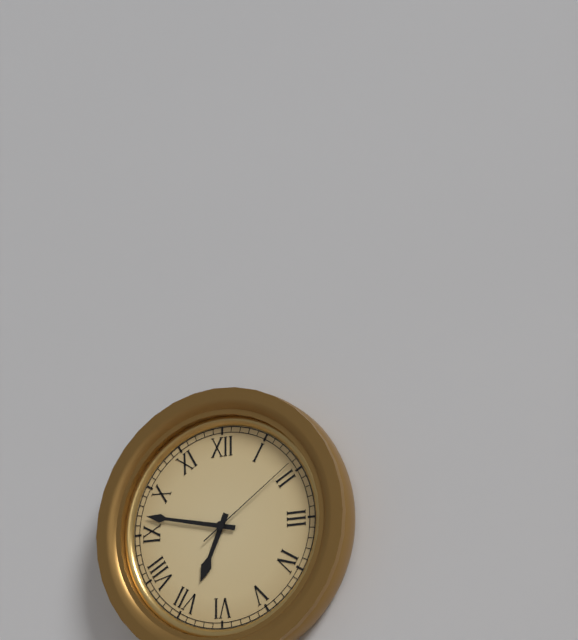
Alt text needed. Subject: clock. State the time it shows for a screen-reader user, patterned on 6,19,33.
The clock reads 6,47,09
